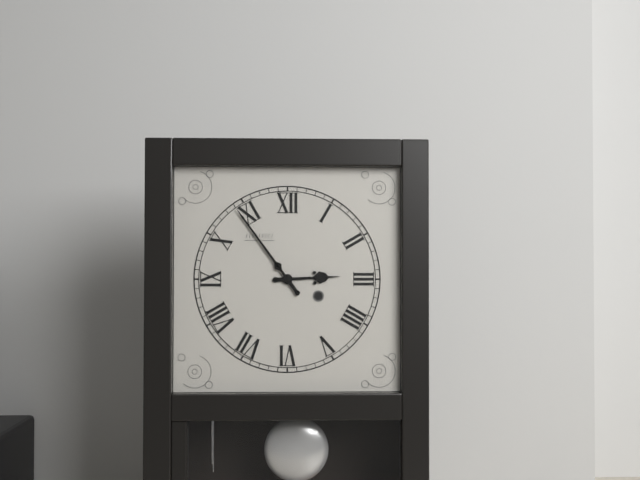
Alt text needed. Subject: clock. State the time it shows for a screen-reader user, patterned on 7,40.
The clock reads 2,54
